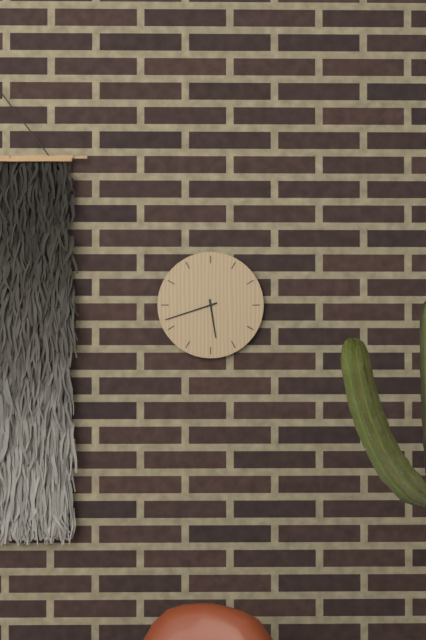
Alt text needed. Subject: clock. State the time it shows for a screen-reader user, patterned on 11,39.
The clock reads 5,42
